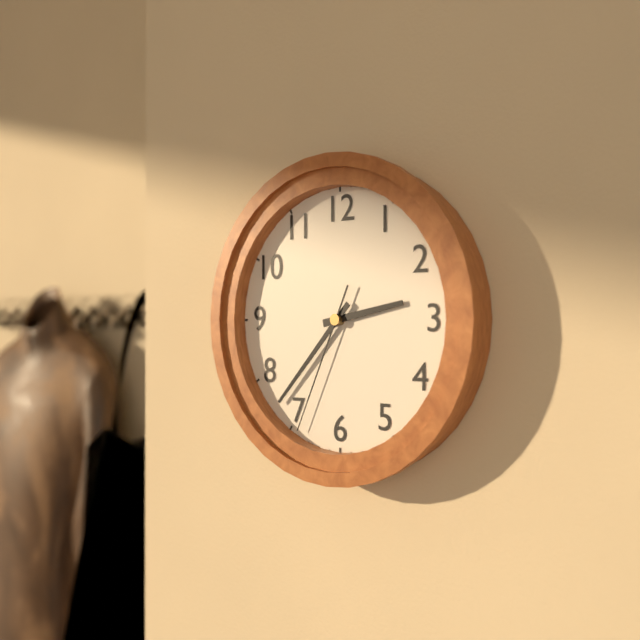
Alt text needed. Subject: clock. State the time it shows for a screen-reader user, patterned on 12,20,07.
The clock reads 2,37,34
